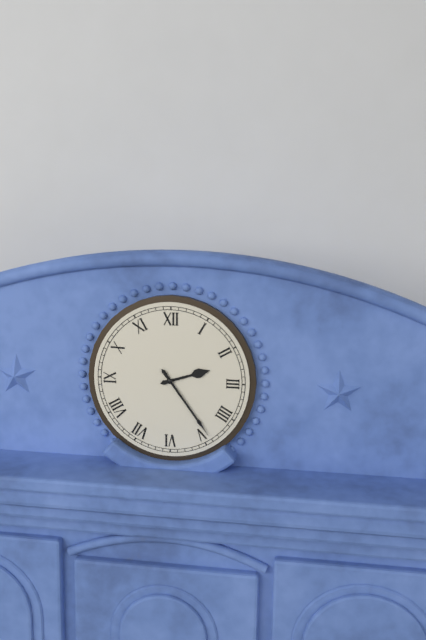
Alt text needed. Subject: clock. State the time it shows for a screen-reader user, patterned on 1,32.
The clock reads 2,24
